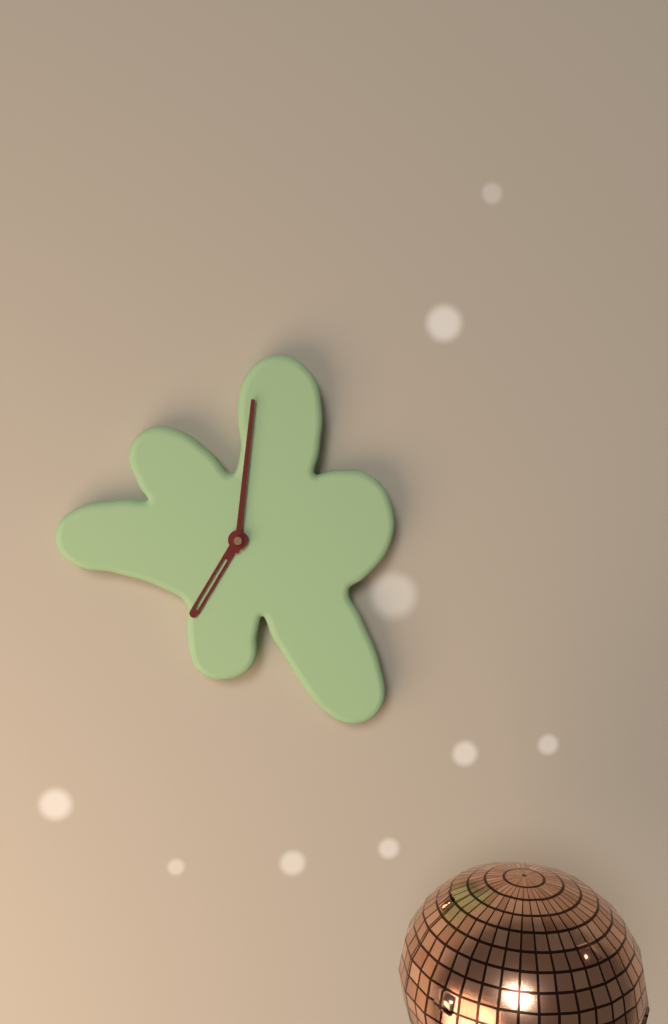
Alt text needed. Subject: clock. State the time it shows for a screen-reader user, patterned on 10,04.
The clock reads 7,01
